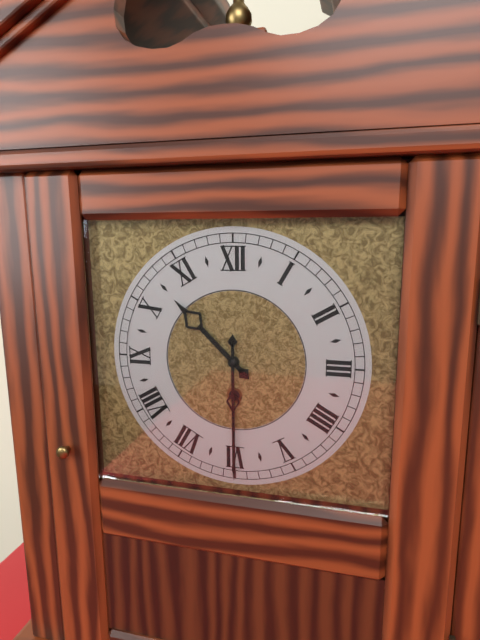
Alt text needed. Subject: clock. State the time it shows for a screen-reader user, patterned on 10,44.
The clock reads 10,30
